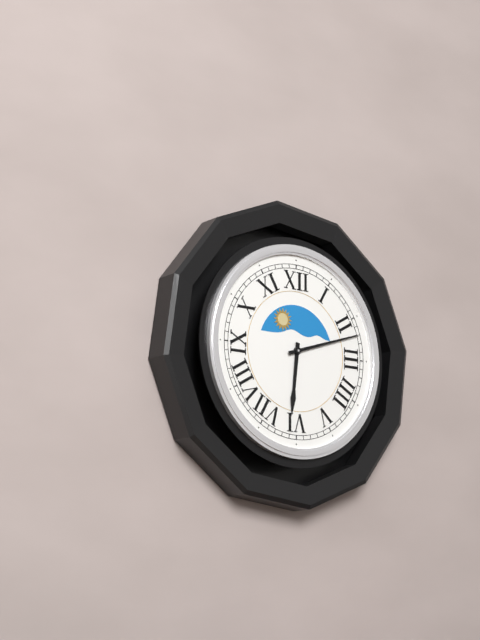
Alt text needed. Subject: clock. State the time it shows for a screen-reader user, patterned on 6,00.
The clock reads 6,12
